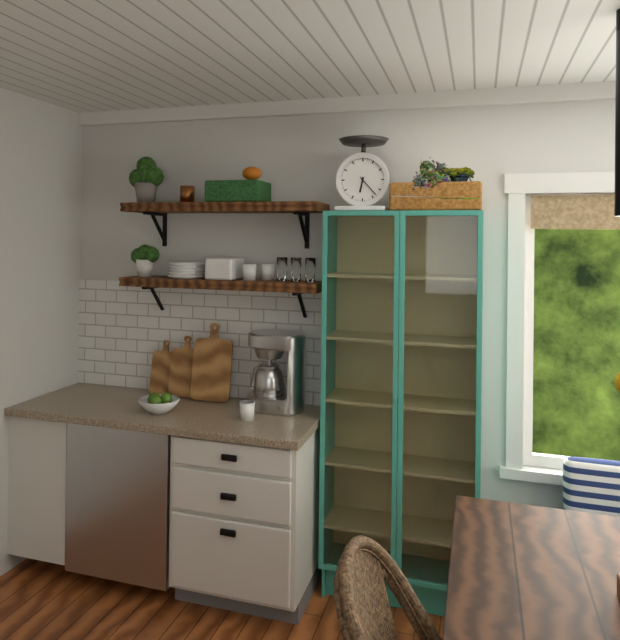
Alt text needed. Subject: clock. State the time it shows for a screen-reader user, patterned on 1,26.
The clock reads 6,23
